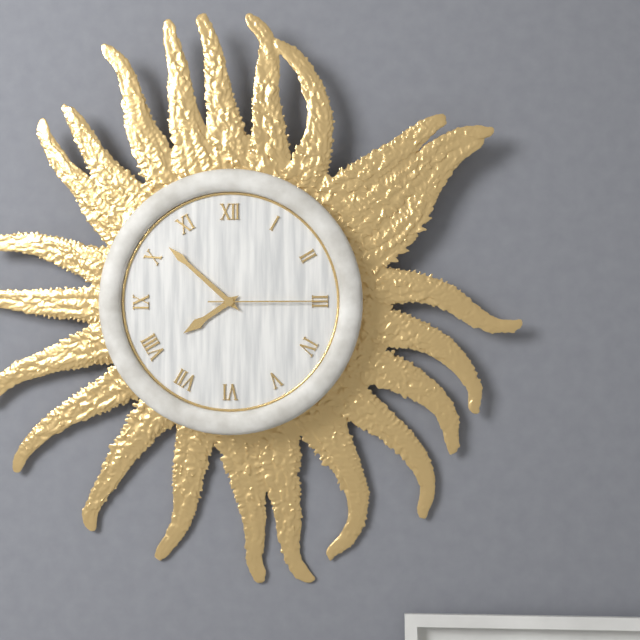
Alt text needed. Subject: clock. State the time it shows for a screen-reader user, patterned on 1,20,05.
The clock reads 7,52,15
